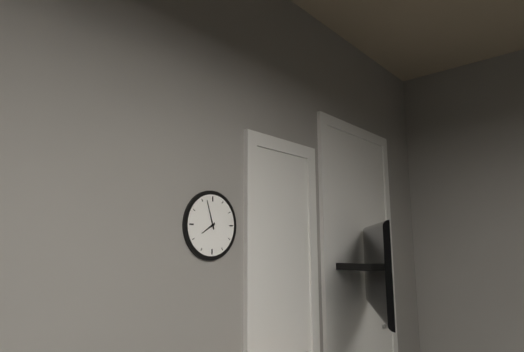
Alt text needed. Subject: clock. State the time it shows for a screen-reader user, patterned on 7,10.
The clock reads 7,57
